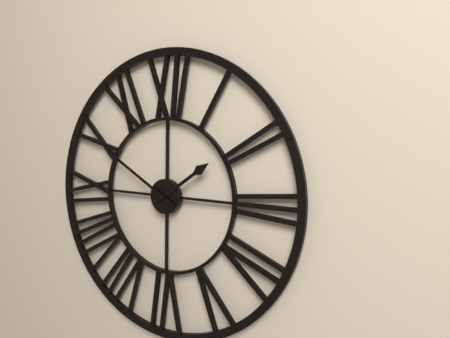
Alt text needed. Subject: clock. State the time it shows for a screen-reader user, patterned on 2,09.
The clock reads 1,50
